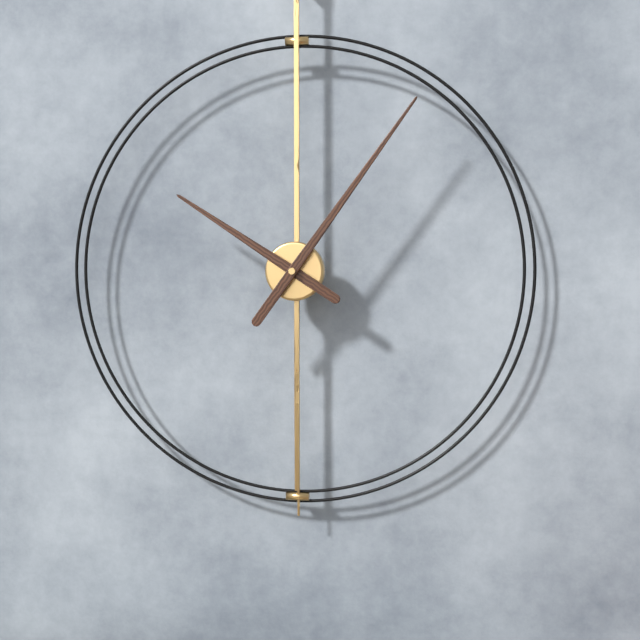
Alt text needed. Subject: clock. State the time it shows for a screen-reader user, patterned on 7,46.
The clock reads 10,06
